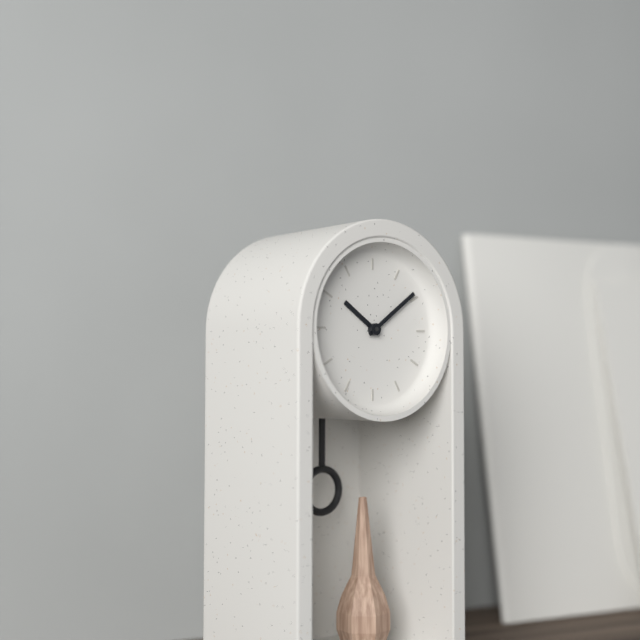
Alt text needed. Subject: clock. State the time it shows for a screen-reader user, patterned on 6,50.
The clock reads 10,09
